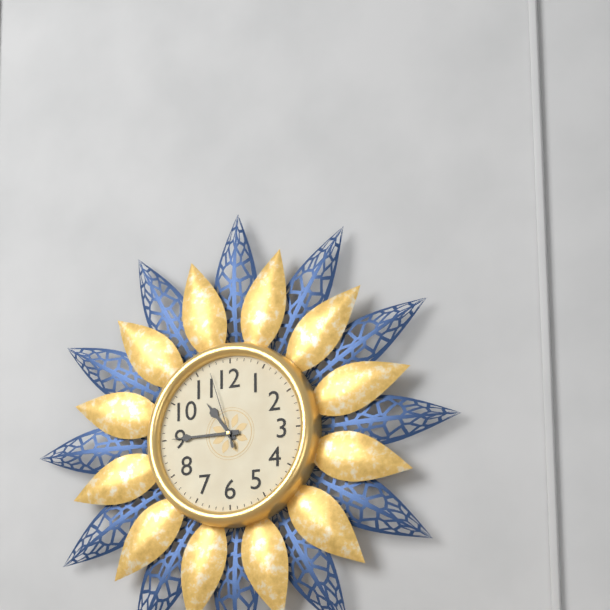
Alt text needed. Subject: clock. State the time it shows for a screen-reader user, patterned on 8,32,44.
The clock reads 10,45,57
